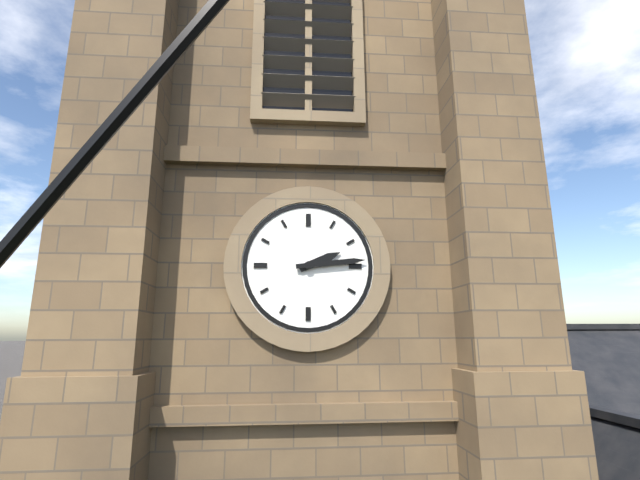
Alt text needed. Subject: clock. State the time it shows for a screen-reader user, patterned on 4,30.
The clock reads 2,14
